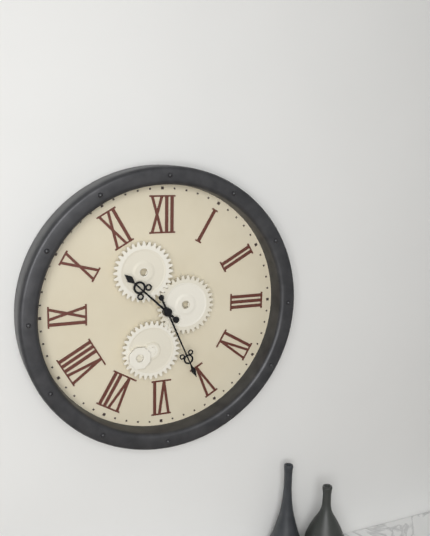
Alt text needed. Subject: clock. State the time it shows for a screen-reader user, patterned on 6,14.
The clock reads 10,26
